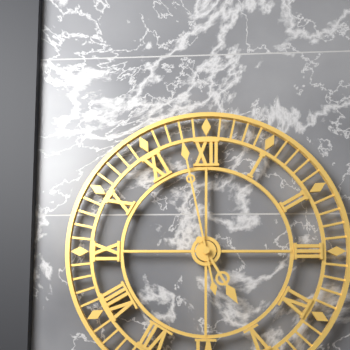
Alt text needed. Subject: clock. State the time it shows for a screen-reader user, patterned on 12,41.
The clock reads 4,58
